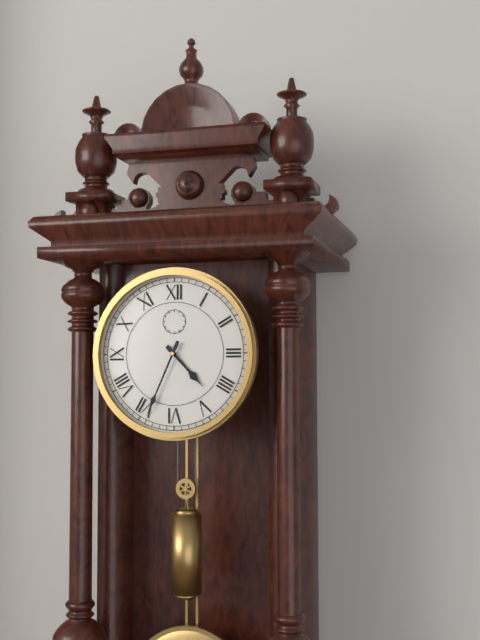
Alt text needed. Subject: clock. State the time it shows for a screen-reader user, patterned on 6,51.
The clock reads 4,34
